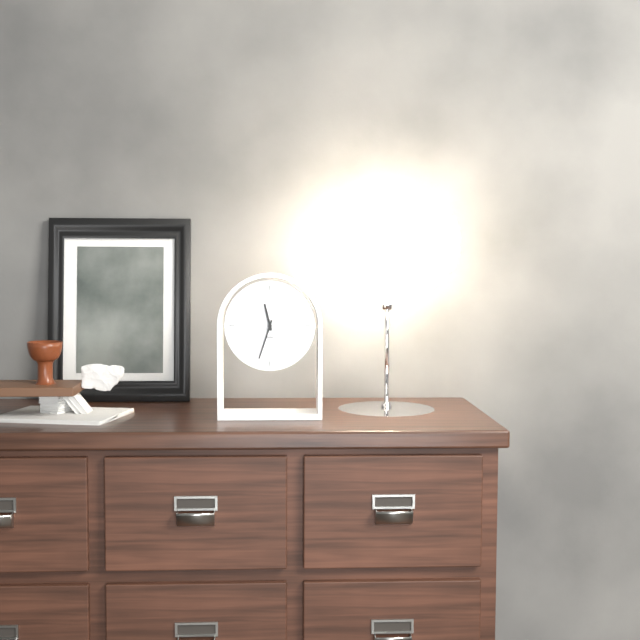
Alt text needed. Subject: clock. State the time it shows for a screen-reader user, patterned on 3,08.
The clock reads 11,33
